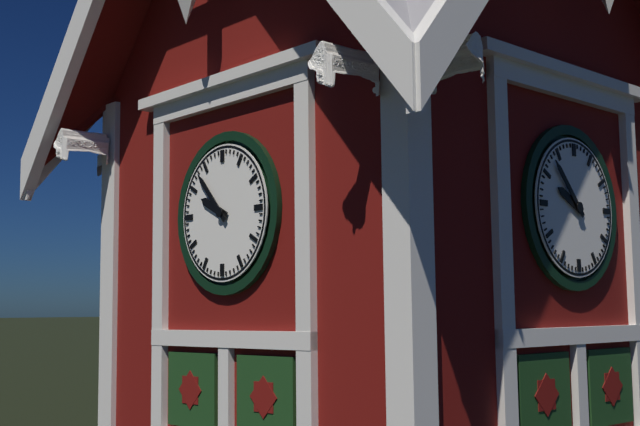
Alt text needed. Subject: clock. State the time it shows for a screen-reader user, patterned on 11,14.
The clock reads 9,53
